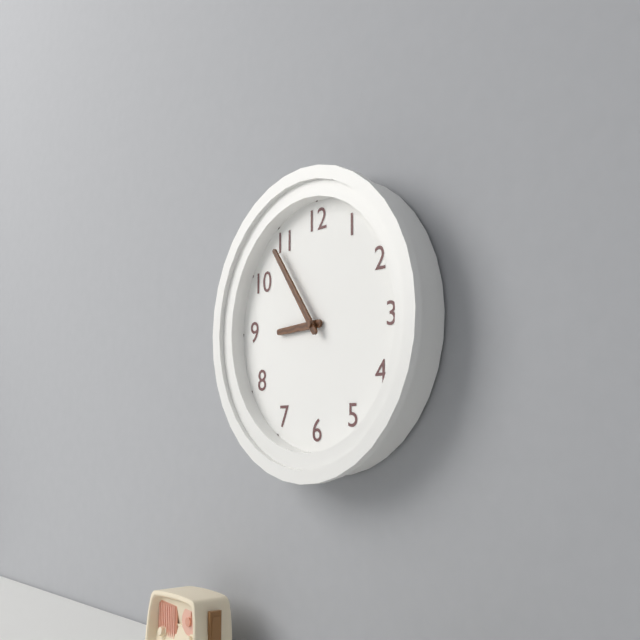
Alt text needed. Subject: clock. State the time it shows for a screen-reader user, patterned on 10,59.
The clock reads 8,54
